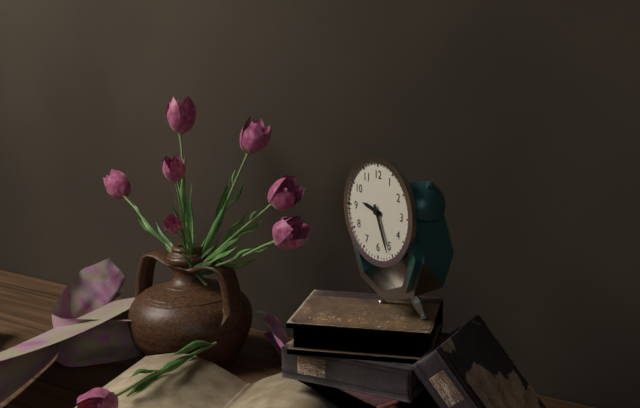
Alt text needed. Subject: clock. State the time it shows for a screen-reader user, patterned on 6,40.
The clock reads 9,26
